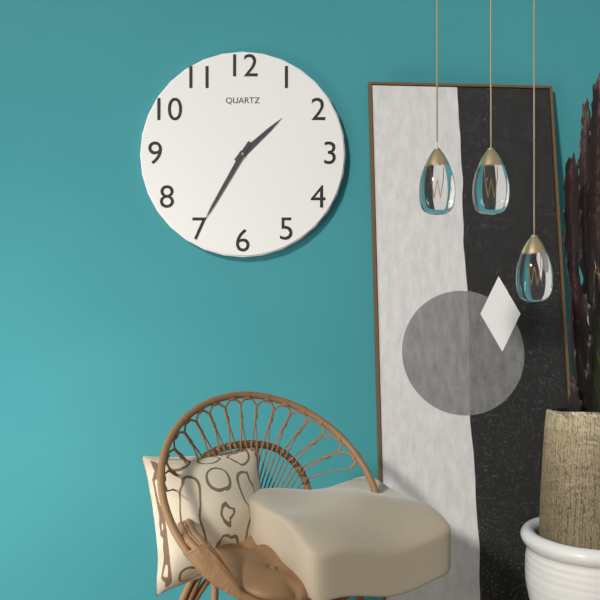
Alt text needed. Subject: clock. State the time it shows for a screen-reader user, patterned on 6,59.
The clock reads 1,35
